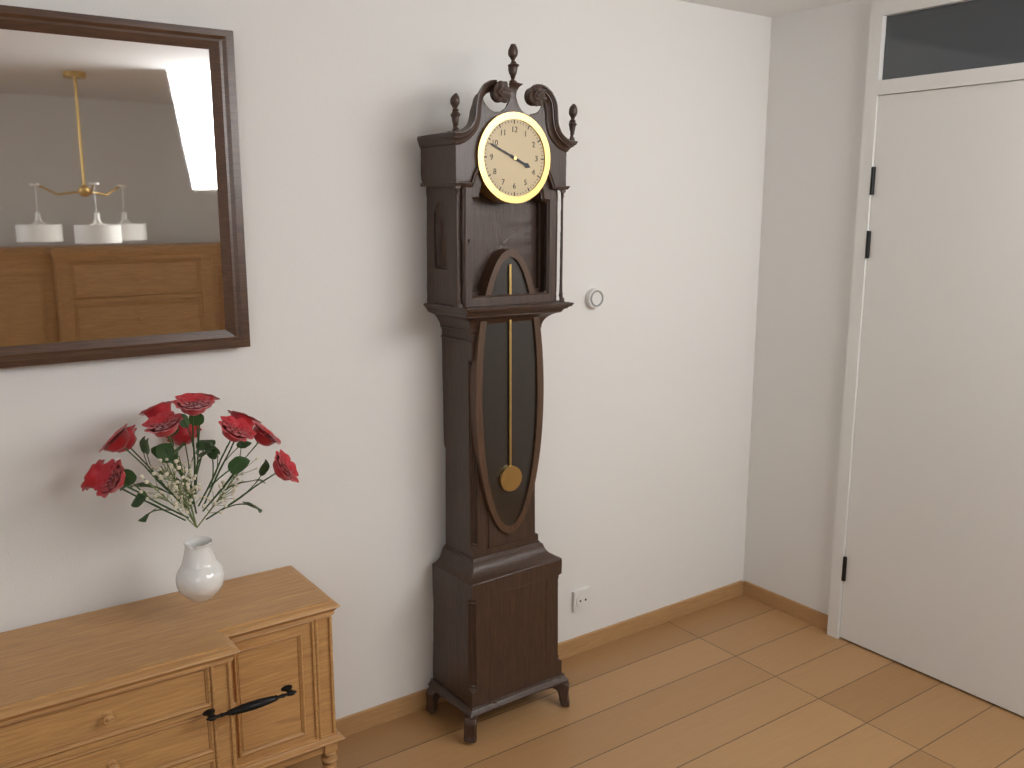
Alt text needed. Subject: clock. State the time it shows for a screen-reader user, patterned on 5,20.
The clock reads 3,49
